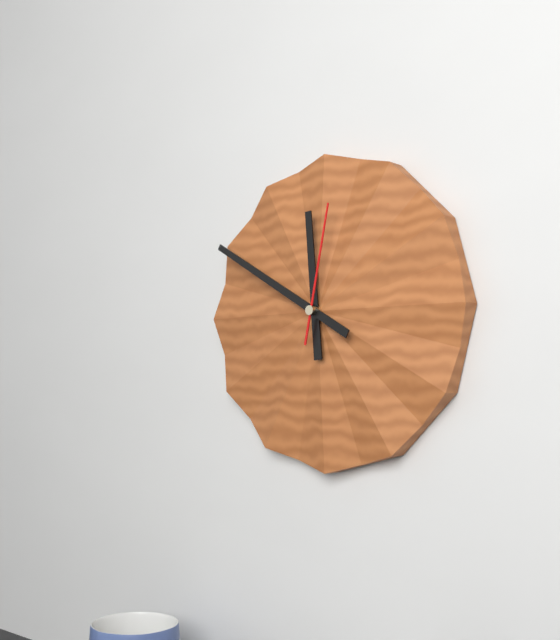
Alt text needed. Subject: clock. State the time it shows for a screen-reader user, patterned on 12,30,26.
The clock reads 11,50,02
